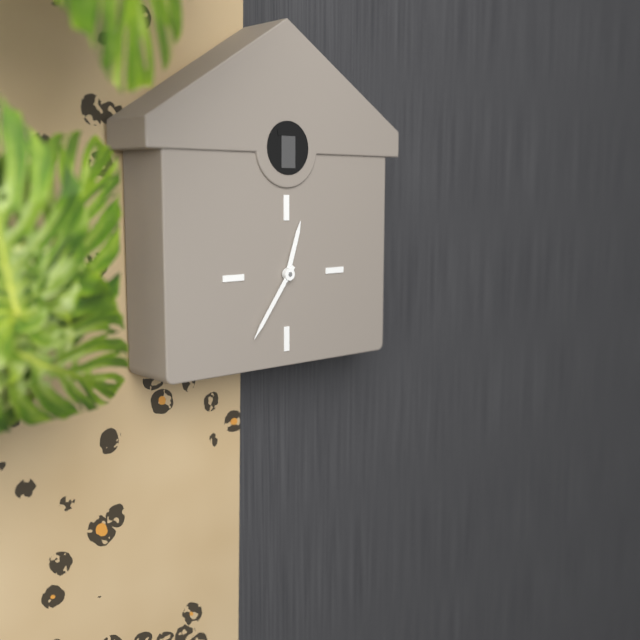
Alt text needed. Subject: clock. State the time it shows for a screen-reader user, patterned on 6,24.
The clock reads 12,36
